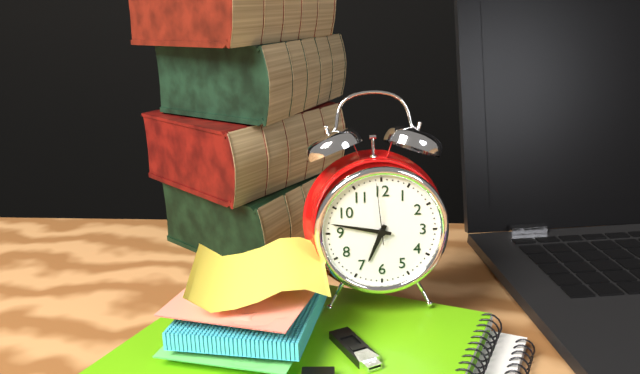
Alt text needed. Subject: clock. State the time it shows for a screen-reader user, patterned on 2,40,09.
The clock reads 6,47,59
